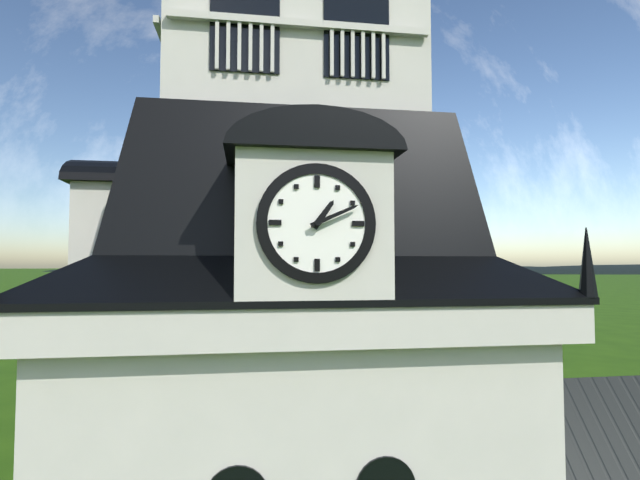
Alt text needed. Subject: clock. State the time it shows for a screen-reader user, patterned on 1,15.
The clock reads 1,11
